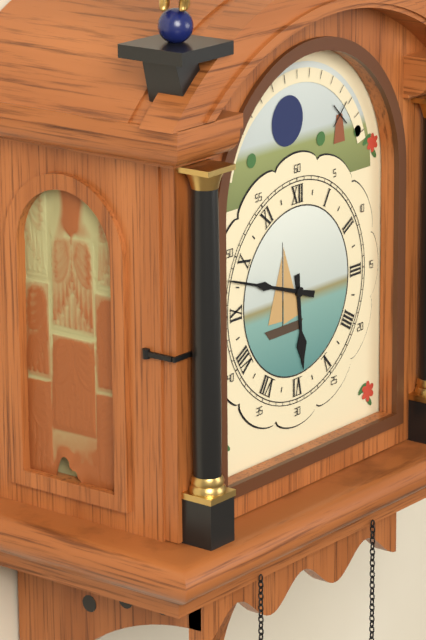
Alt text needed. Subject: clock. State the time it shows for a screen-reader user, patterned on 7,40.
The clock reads 5,48
